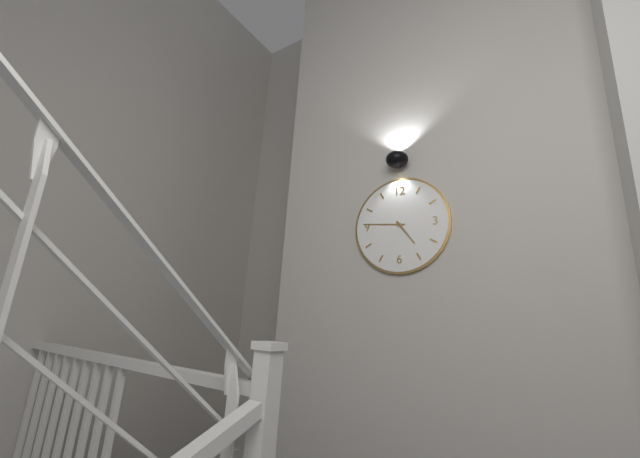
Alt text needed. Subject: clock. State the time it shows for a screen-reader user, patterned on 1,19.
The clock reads 4,46
